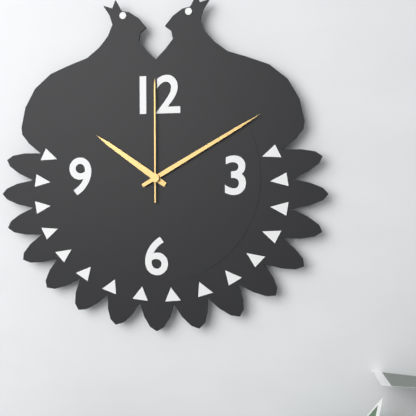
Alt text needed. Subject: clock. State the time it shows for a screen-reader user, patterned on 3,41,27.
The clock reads 10,10,00
